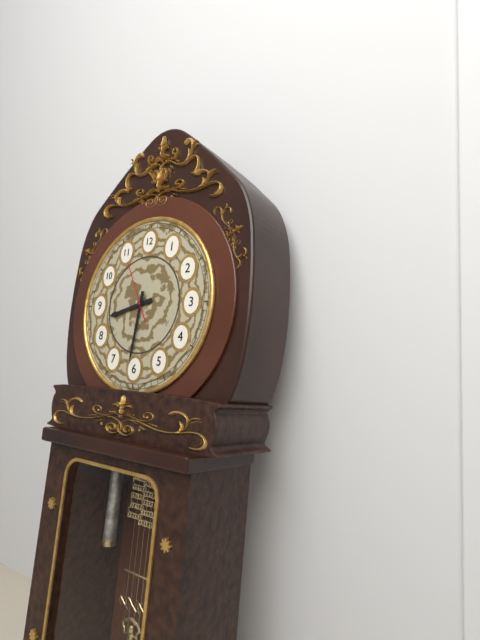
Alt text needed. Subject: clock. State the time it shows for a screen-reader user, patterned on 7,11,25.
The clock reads 8,31,55
